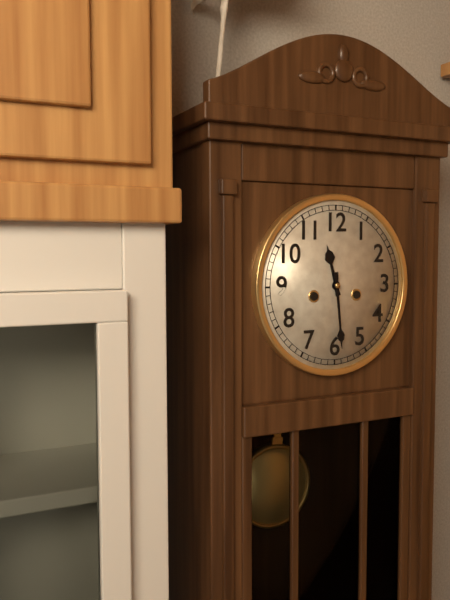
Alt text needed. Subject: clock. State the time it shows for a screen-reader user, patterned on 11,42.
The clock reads 11,29
